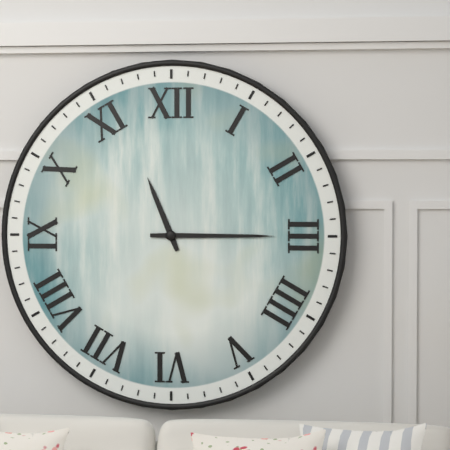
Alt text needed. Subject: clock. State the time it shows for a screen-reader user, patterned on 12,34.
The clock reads 11,15
